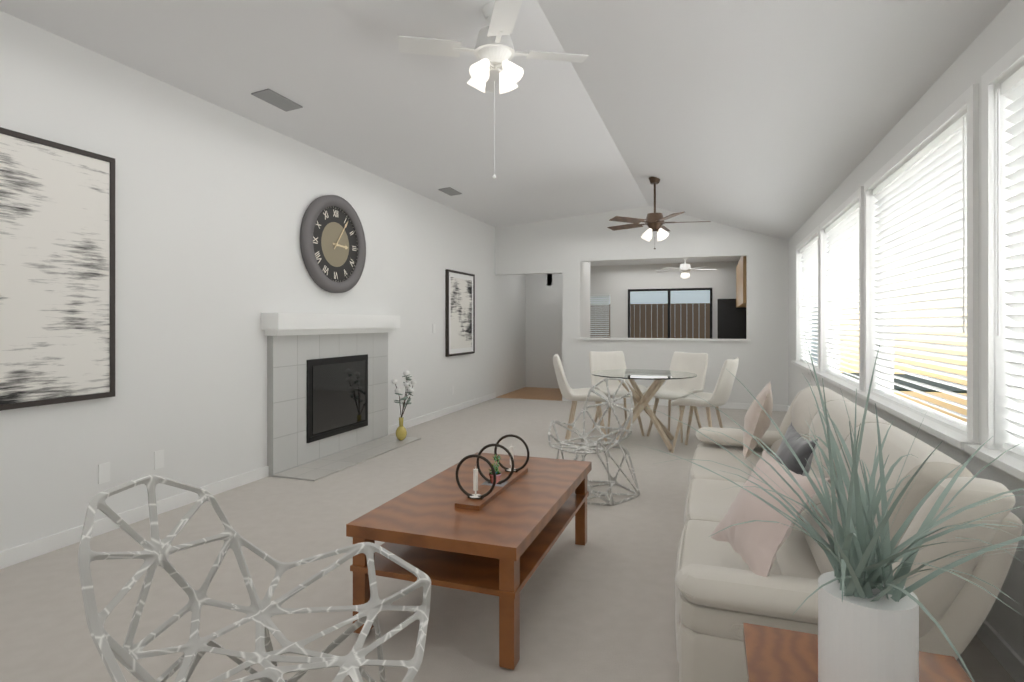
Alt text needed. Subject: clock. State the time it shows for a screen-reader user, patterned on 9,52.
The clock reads 3,06
